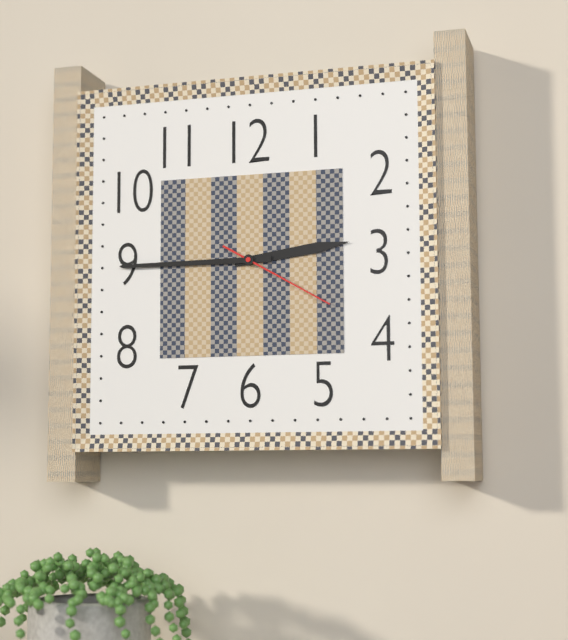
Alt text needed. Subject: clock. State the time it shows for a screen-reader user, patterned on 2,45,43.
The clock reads 2,45,20
